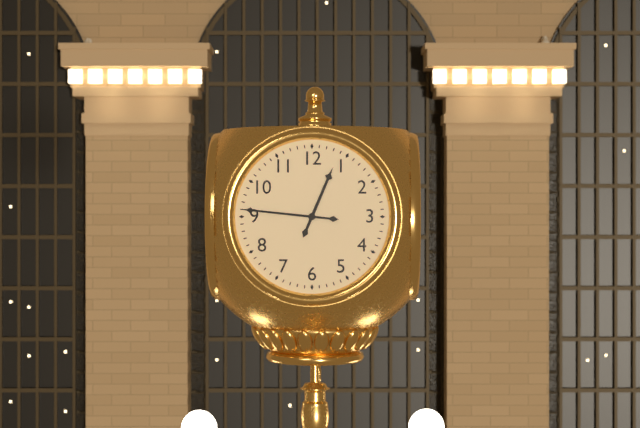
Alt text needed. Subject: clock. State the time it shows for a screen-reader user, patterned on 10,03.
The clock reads 12,46
